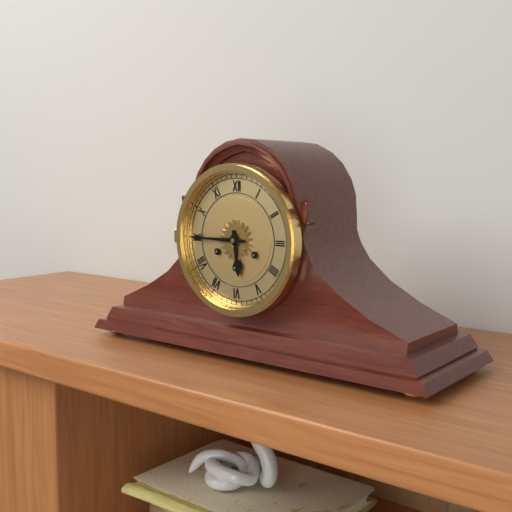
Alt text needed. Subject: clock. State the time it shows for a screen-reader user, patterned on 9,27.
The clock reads 5,45
